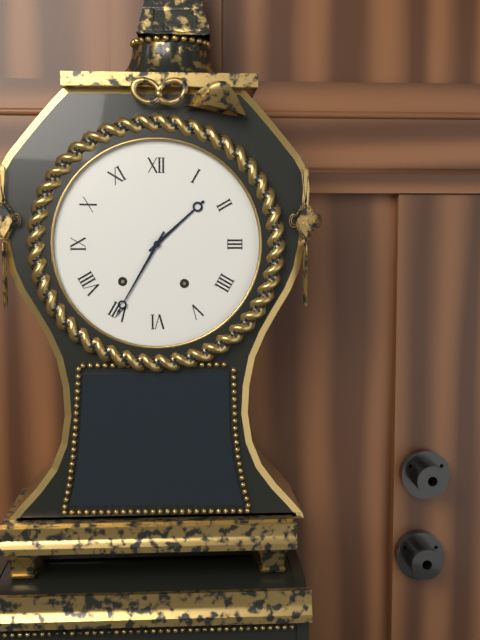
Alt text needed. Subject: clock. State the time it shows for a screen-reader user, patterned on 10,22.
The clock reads 1,35
